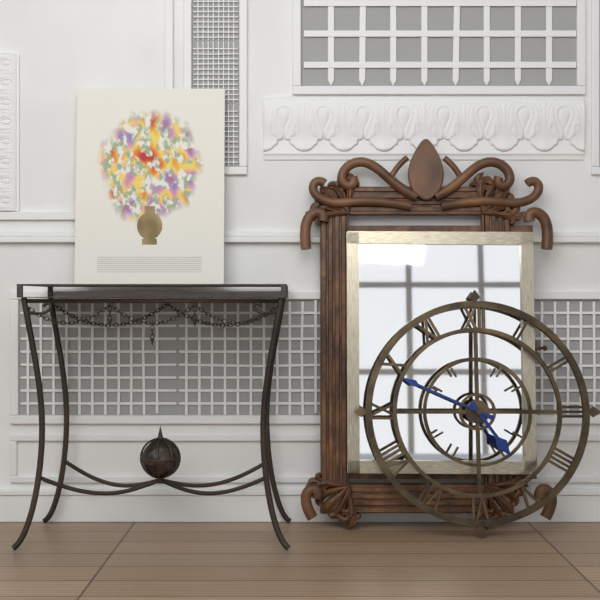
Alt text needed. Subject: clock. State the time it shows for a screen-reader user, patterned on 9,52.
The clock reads 4,49
